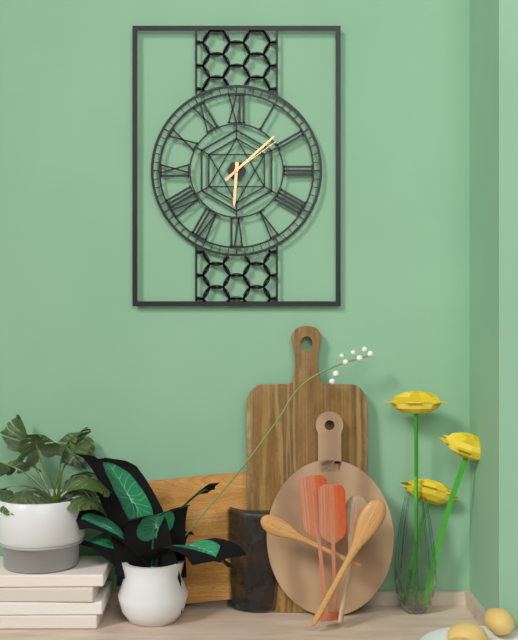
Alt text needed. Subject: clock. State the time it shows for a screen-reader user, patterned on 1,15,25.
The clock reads 6,08,09
